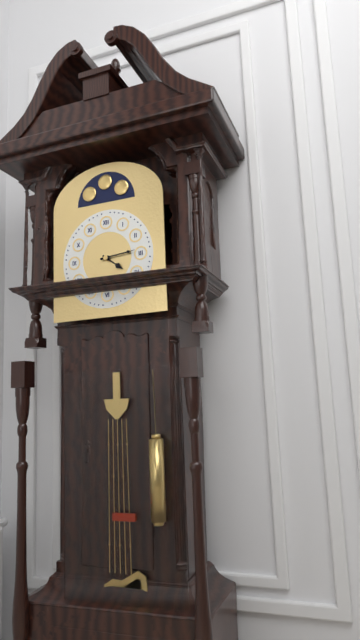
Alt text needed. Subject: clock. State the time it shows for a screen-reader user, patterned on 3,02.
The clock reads 4,14
